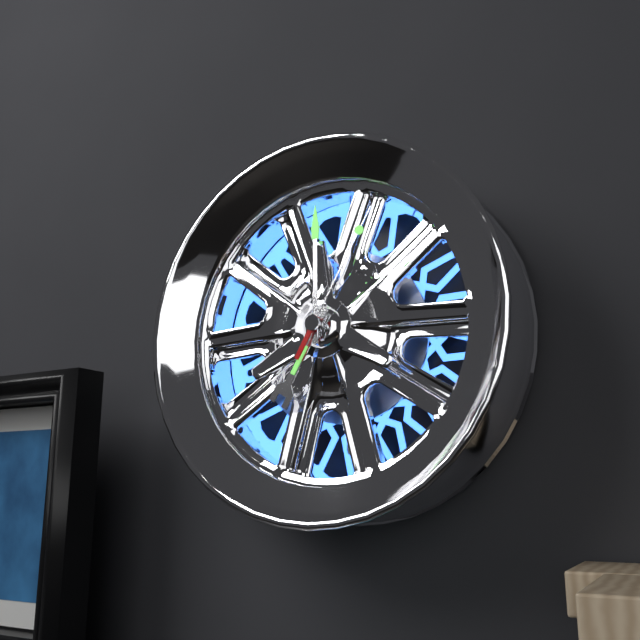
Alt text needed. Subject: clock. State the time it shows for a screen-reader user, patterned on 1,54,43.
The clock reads 7,00,05
